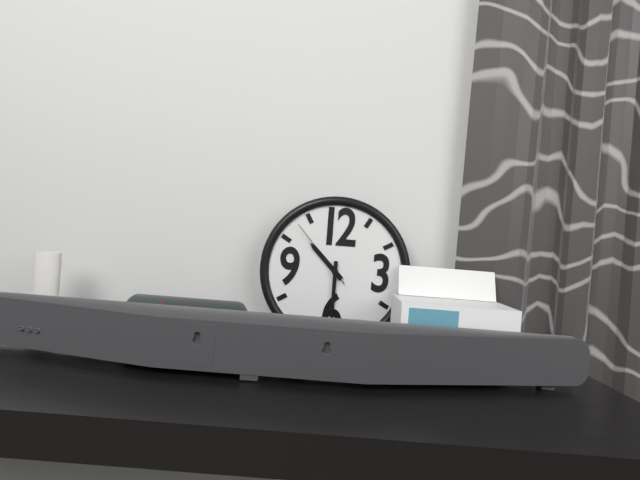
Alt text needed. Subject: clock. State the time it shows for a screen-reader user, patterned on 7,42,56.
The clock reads 10,30,53
